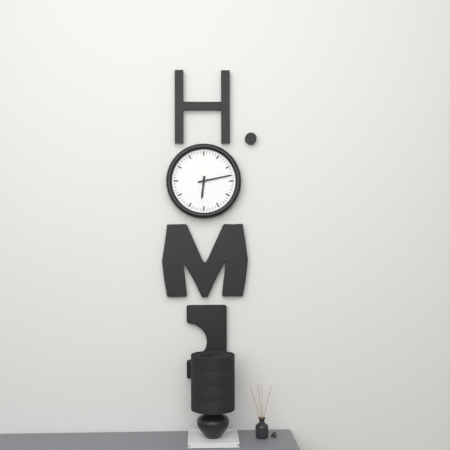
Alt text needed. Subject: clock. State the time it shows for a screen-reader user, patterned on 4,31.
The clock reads 6,13
